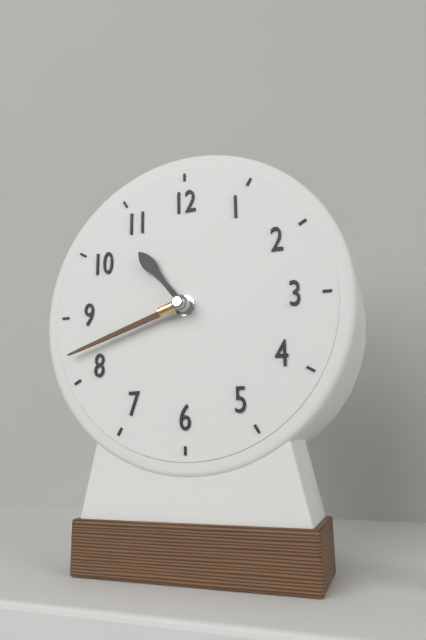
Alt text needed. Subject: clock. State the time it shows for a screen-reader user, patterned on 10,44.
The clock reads 10,42
